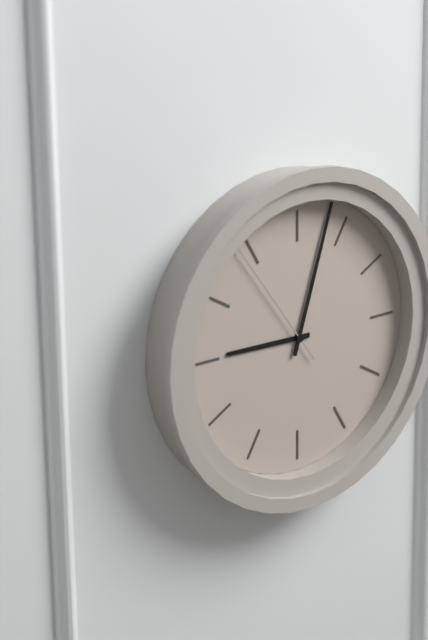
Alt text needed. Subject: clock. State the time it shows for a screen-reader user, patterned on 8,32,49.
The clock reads 9,03,54
